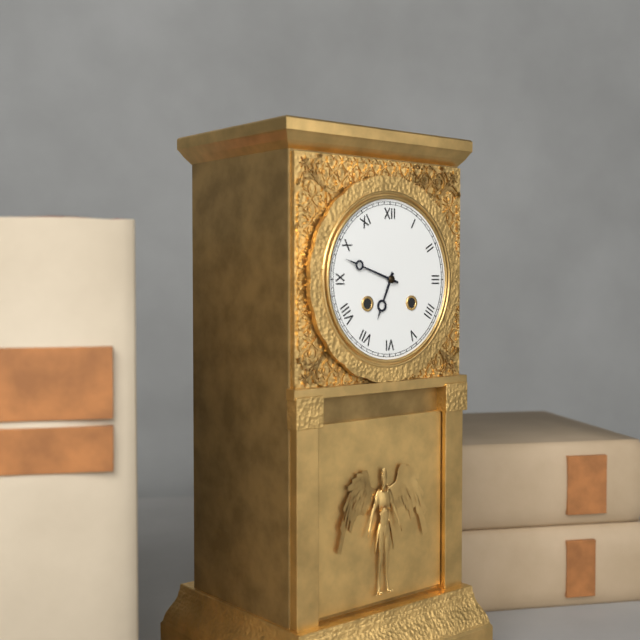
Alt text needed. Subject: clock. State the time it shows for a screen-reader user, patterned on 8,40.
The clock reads 6,48
